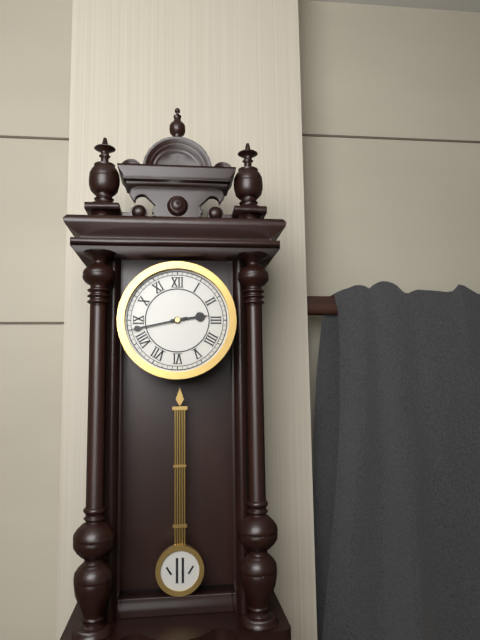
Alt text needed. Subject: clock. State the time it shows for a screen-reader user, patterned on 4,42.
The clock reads 2,43
